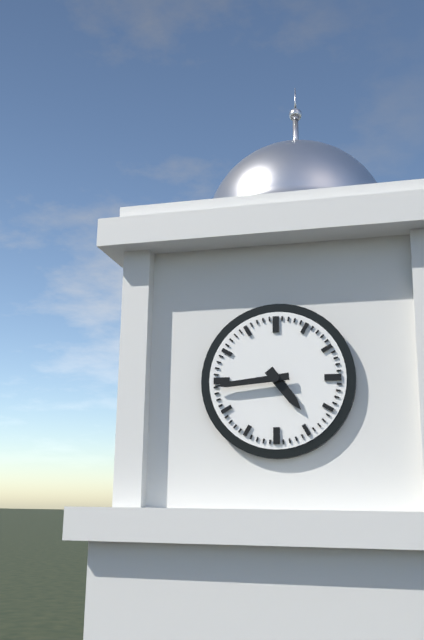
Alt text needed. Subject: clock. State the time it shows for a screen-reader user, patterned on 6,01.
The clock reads 4,44
